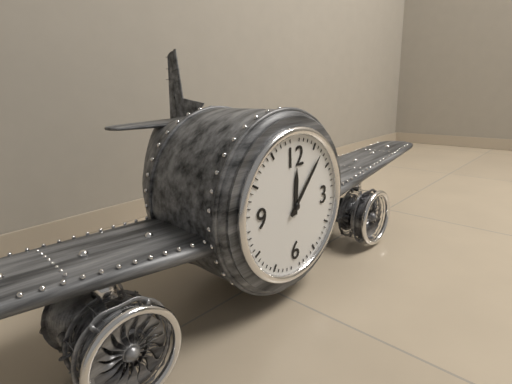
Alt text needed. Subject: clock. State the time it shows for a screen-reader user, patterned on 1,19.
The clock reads 12,07
